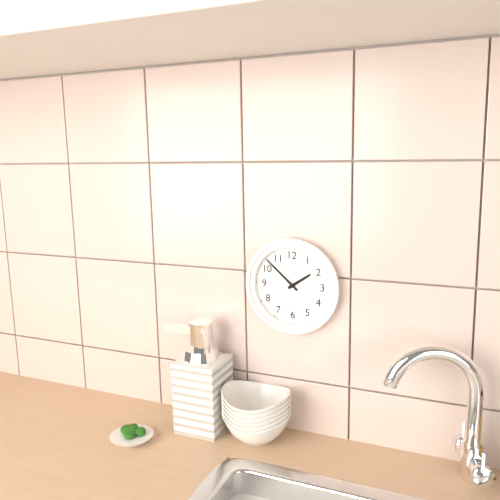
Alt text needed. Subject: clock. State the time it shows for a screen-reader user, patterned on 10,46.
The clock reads 1,52
